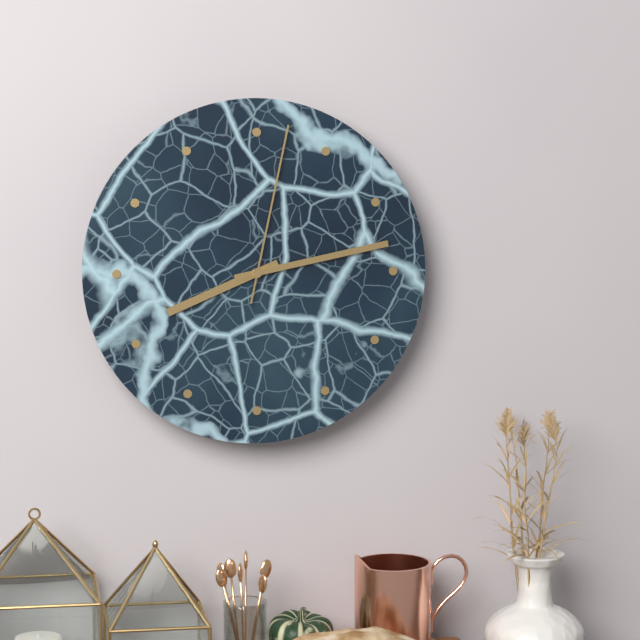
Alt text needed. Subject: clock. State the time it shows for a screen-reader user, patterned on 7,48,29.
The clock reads 8,13,02
